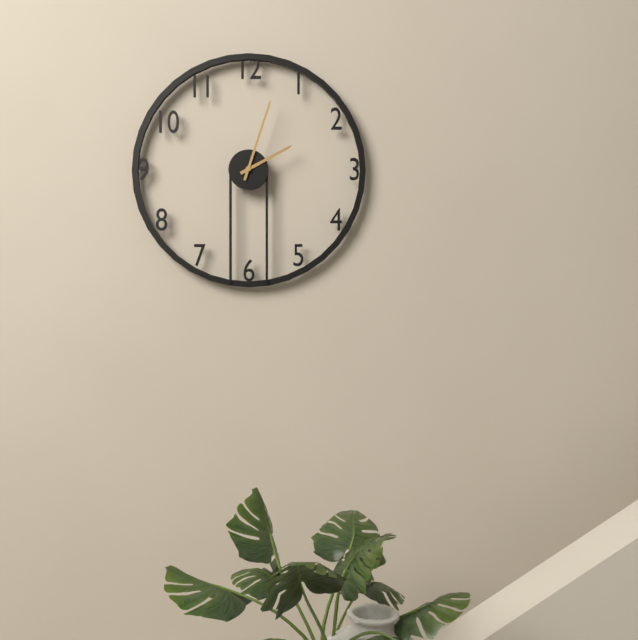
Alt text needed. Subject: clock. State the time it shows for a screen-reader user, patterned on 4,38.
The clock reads 2,03
